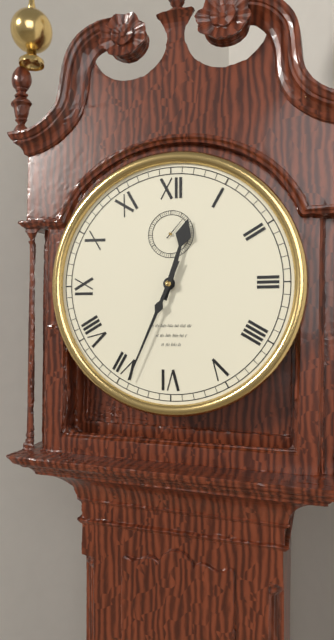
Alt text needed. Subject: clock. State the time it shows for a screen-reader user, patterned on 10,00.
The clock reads 12,34
